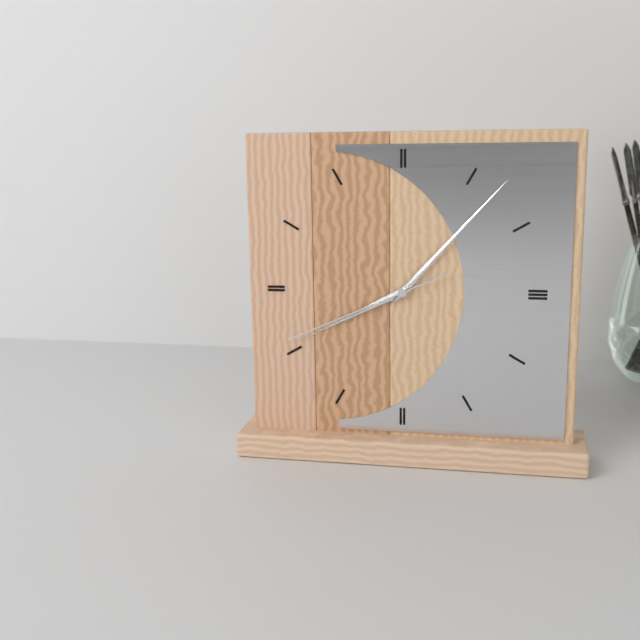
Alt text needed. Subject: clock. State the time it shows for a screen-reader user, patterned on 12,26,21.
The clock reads 8,07,41
